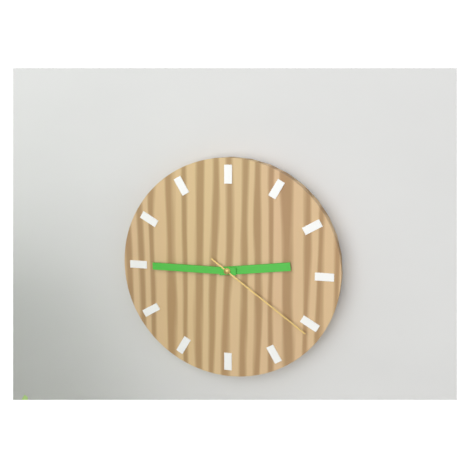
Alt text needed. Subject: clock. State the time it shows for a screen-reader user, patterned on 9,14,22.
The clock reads 2,45,21
